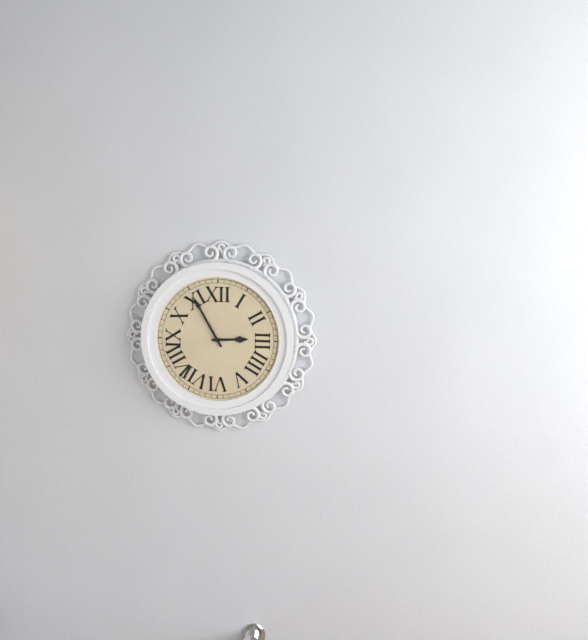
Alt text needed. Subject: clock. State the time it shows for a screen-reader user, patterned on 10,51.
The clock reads 2,55
